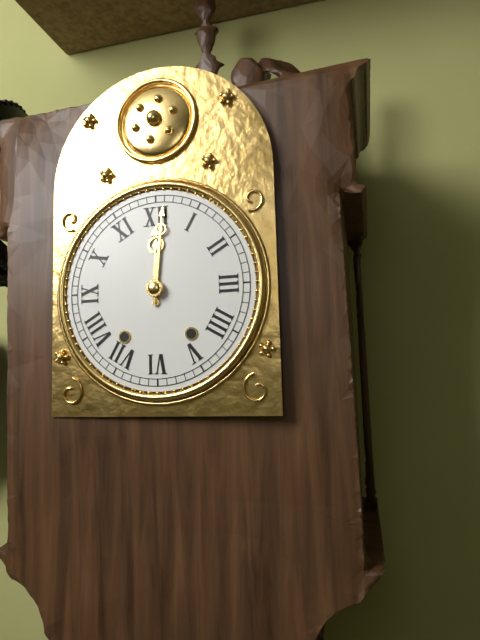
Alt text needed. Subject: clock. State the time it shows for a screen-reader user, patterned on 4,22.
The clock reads 12,01
